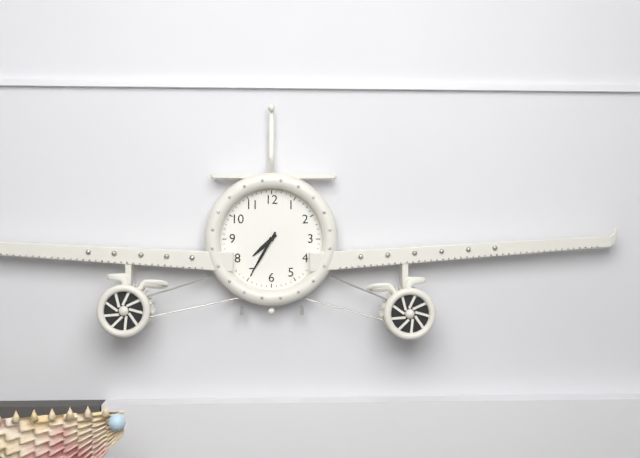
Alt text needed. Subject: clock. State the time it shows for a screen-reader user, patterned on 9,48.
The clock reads 7,35
